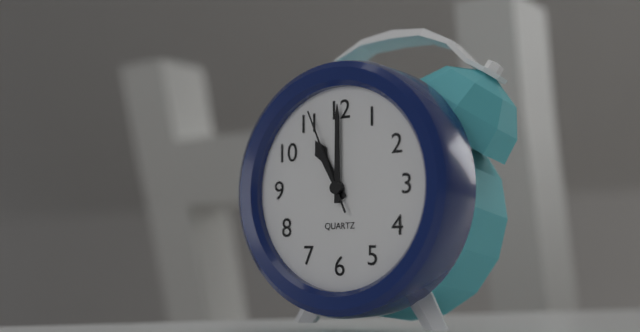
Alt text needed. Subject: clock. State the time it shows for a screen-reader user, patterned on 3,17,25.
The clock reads 11,00,56
